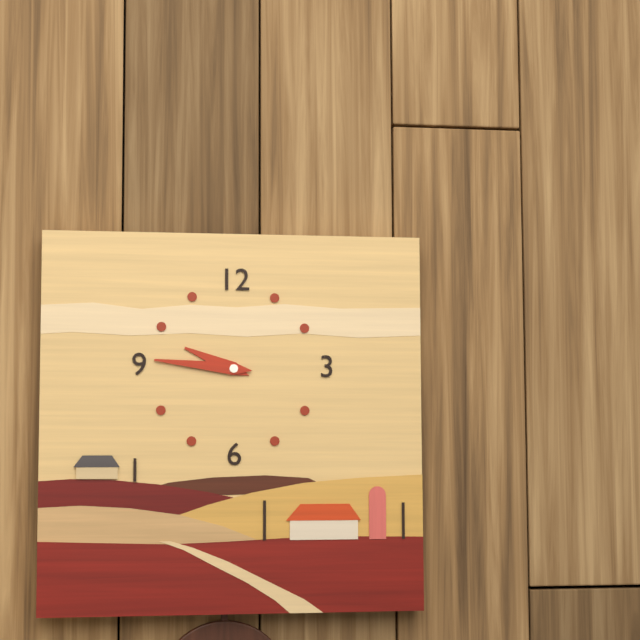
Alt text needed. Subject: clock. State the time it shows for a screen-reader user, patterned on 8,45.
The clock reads 9,46
